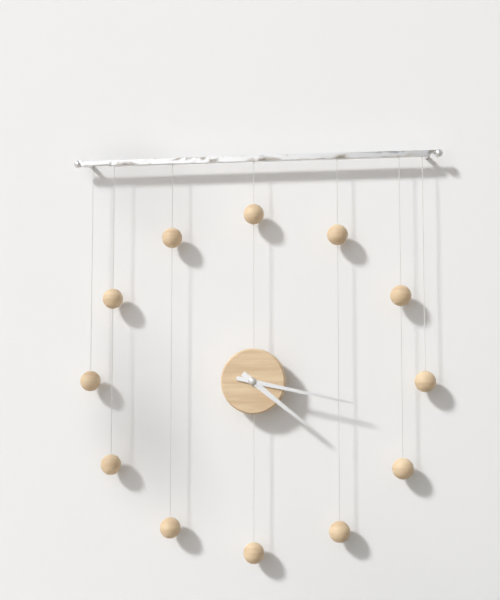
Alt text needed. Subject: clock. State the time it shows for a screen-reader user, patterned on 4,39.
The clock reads 4,17
